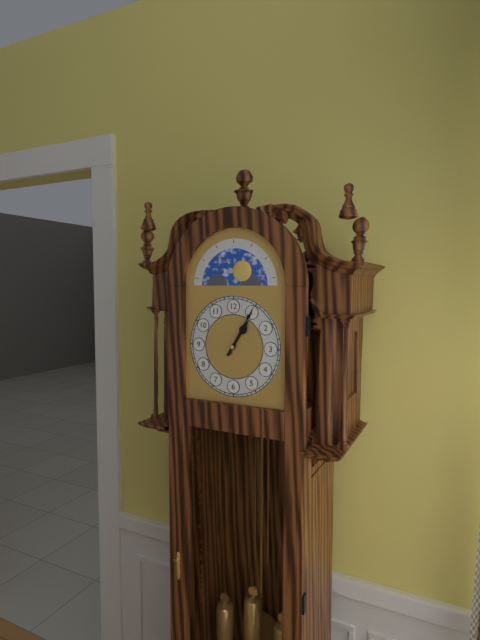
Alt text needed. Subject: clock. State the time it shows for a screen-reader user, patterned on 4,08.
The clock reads 1,05
